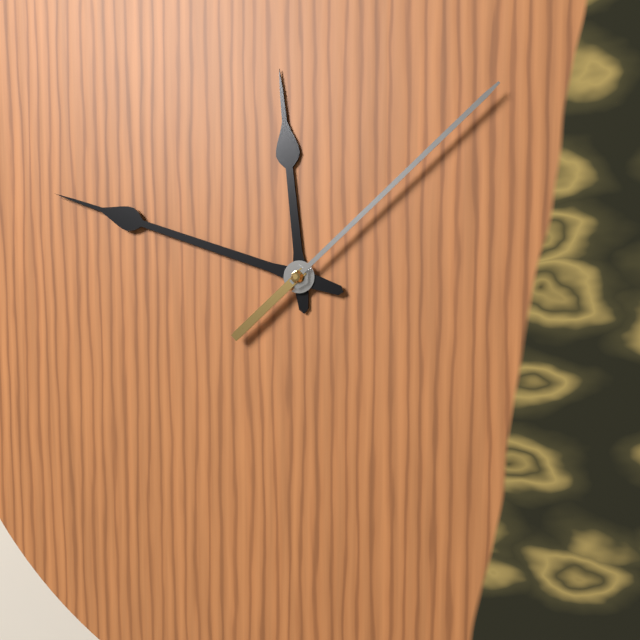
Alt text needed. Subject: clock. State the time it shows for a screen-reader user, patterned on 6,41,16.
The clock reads 11,48,08
